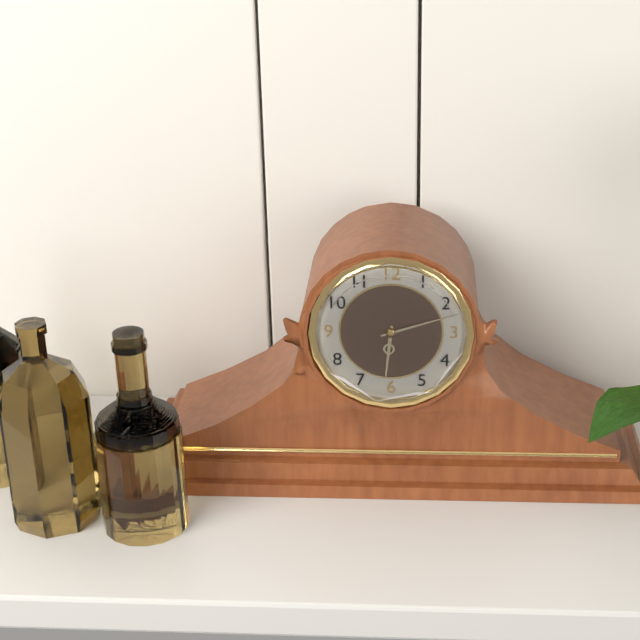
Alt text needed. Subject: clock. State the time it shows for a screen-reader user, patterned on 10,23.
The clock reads 6,12
